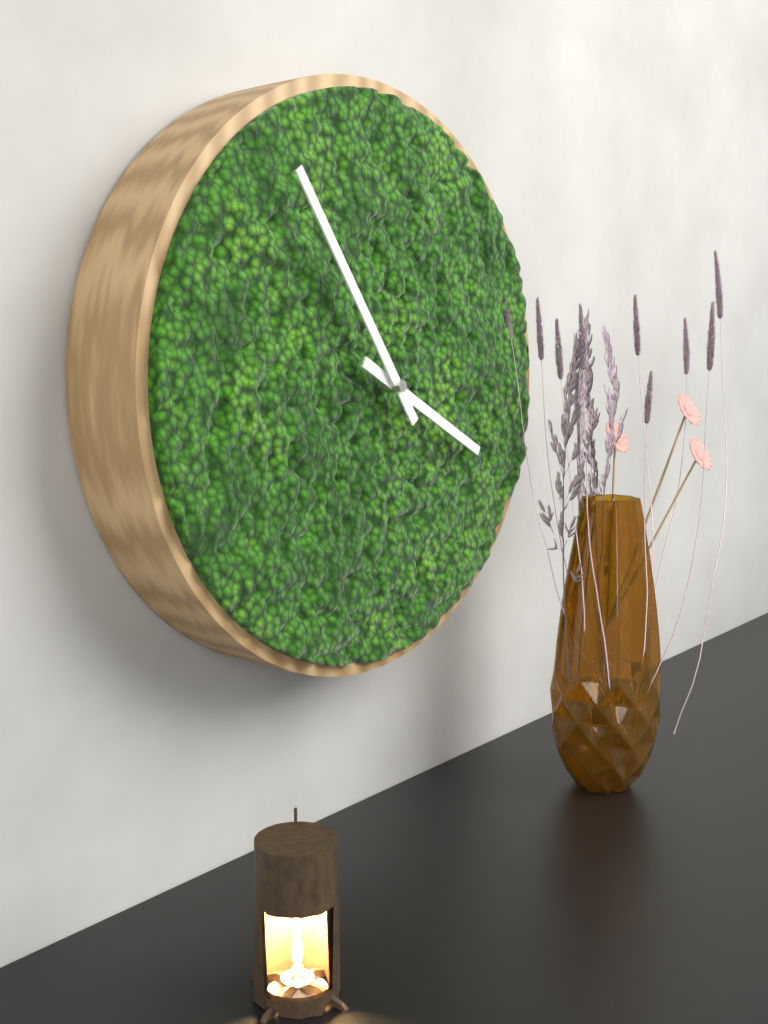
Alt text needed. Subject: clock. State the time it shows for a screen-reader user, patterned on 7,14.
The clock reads 3,54
